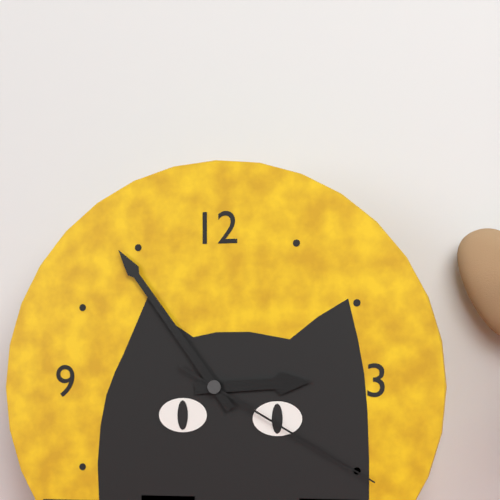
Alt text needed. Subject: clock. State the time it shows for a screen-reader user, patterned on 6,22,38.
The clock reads 2,54,20
